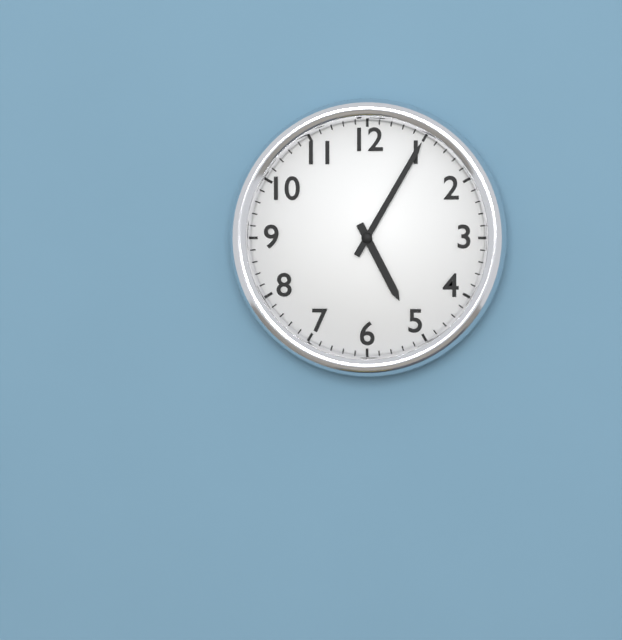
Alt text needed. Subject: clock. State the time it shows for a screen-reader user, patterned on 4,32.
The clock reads 5,05
